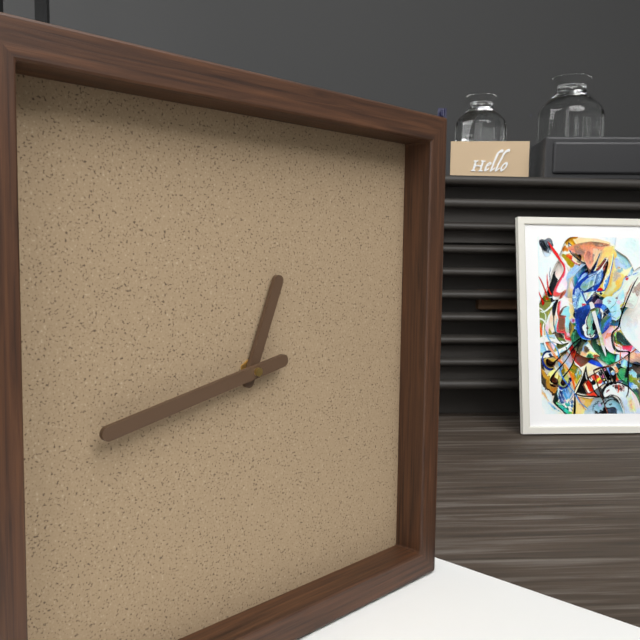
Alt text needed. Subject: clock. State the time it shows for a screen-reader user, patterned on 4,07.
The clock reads 12,43
